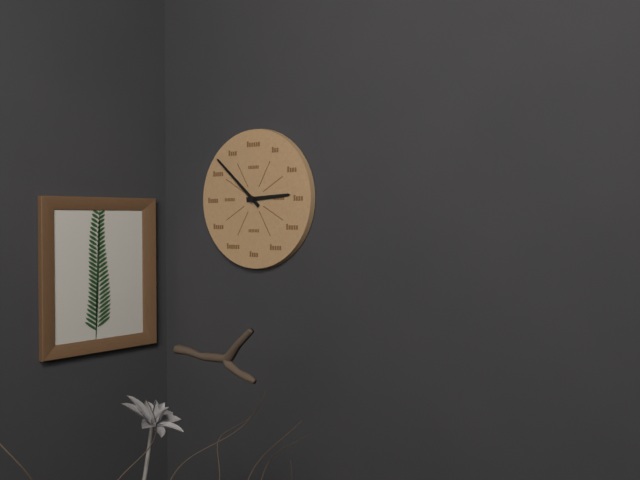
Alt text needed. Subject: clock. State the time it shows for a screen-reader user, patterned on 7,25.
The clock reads 2,52
